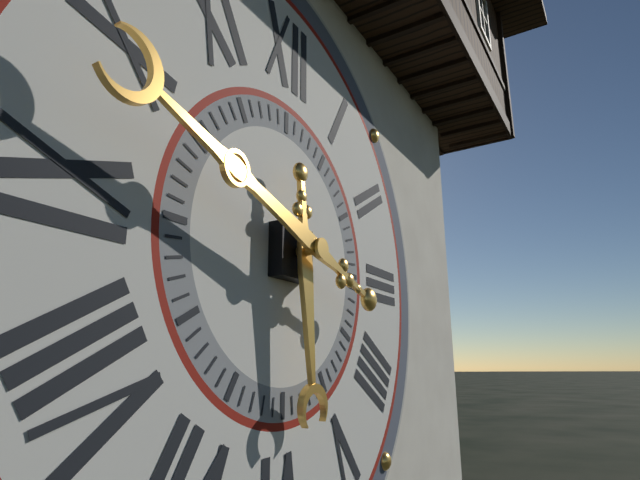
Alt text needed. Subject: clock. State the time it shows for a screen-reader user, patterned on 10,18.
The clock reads 5,48
